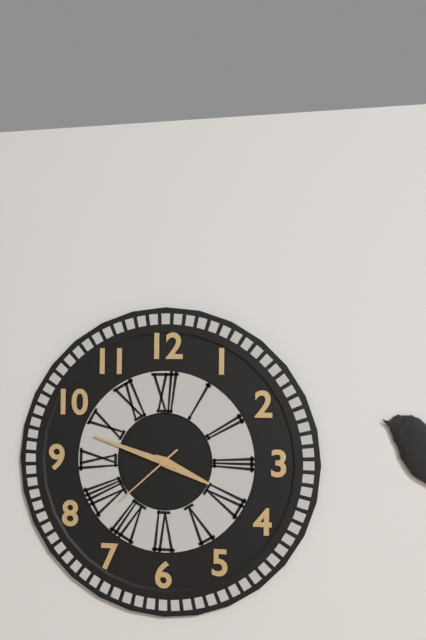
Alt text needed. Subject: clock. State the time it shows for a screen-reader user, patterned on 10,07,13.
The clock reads 3,48,38
